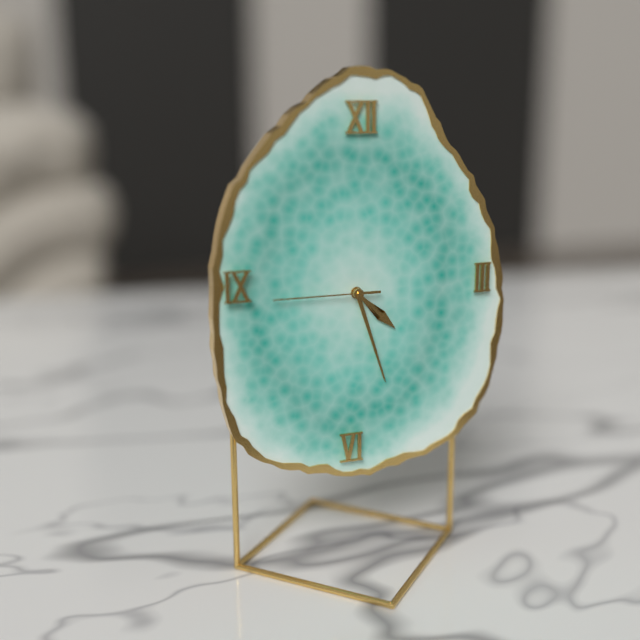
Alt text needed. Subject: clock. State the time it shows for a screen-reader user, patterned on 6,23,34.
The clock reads 4,27,45
